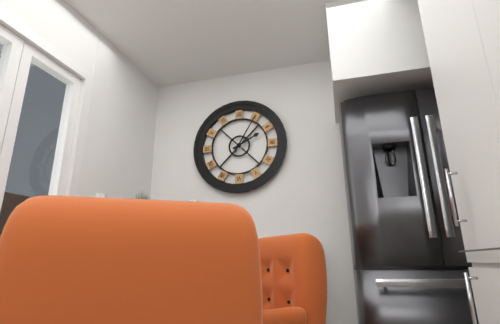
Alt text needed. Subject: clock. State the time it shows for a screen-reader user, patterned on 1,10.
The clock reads 2,05
